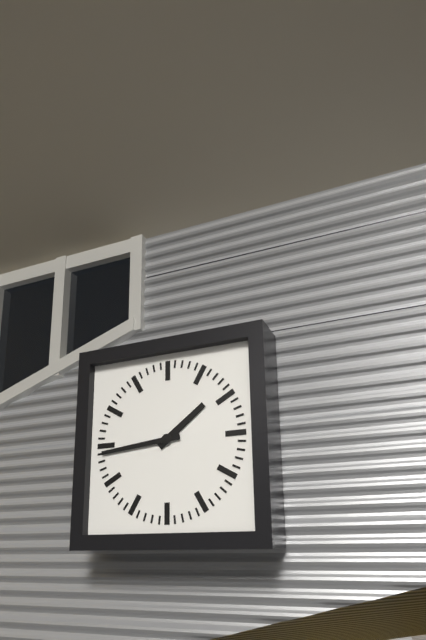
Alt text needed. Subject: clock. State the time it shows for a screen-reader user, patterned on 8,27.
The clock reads 1,44
